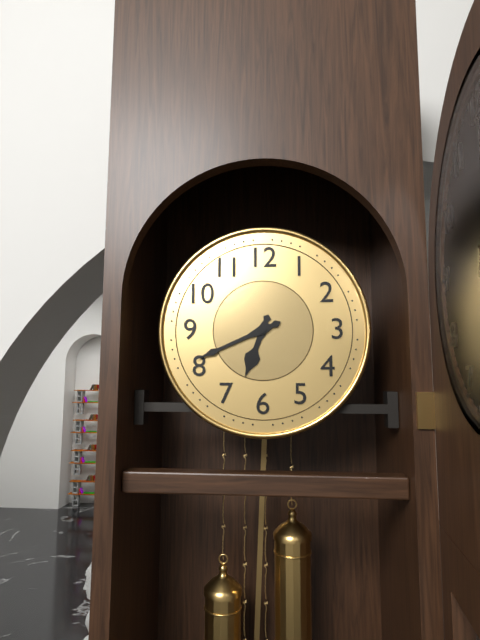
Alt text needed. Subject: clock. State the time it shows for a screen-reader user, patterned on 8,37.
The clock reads 6,41
